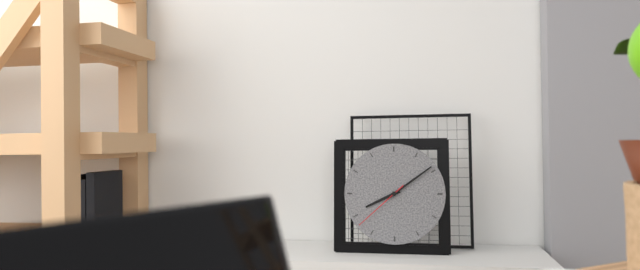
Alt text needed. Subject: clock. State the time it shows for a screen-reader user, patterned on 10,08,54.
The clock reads 8,09,38
